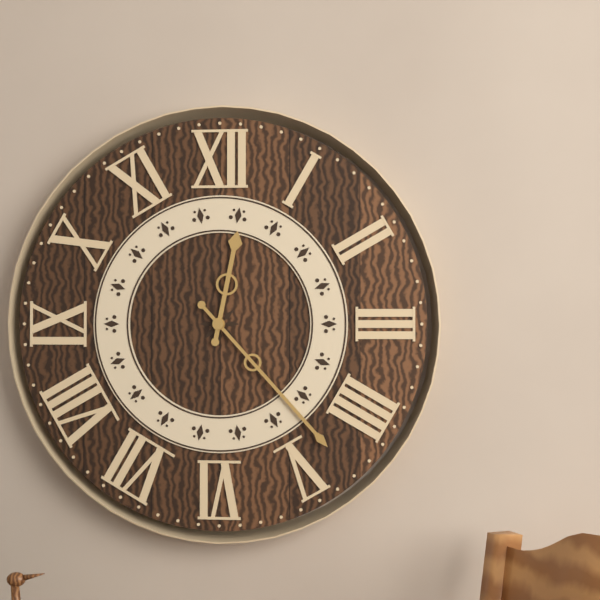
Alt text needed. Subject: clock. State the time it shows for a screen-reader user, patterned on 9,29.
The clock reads 12,23
